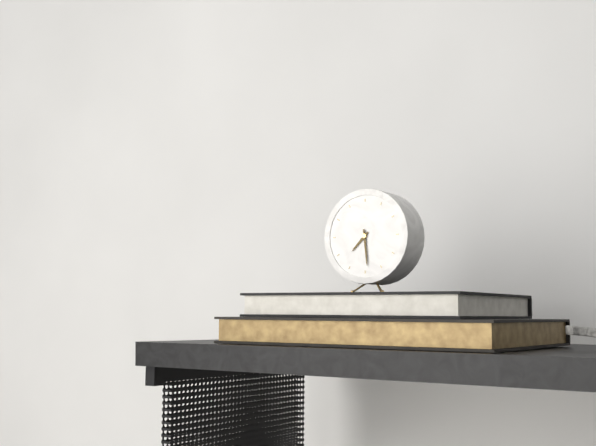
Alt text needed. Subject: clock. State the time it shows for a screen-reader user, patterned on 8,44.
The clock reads 7,29
